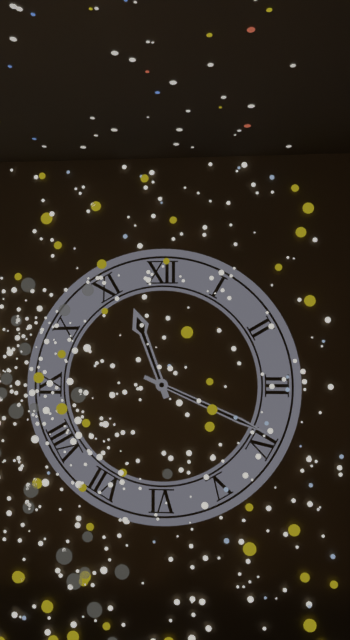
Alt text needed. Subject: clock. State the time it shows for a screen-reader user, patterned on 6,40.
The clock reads 11,19
